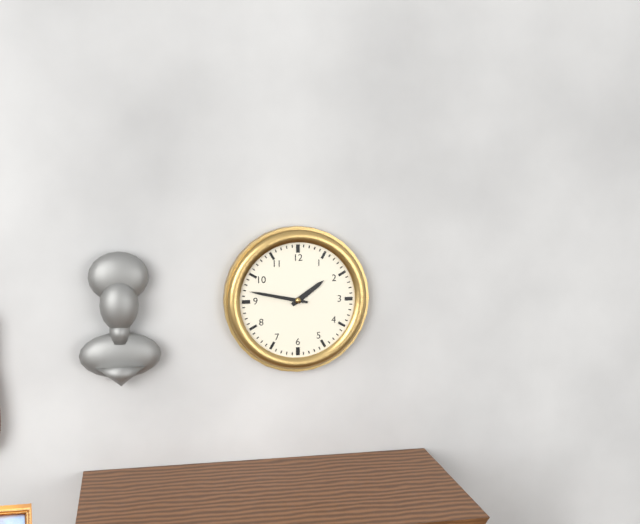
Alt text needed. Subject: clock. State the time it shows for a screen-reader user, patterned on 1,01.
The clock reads 1,47
